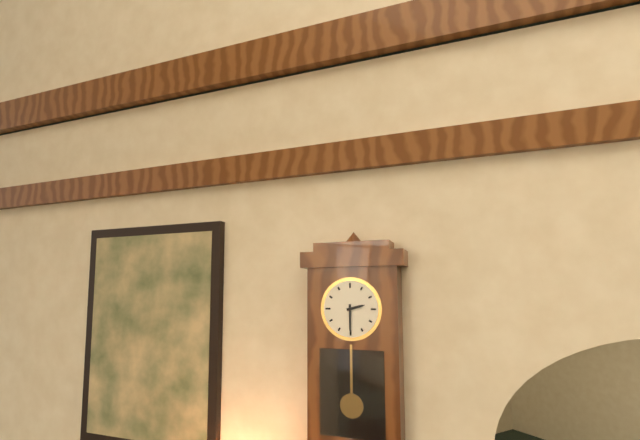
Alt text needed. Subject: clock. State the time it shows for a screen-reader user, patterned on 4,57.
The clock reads 2,30
